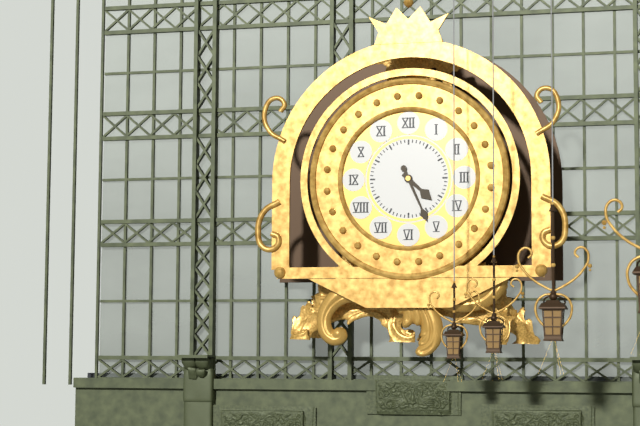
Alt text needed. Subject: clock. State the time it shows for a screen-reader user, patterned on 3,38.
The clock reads 4,26
